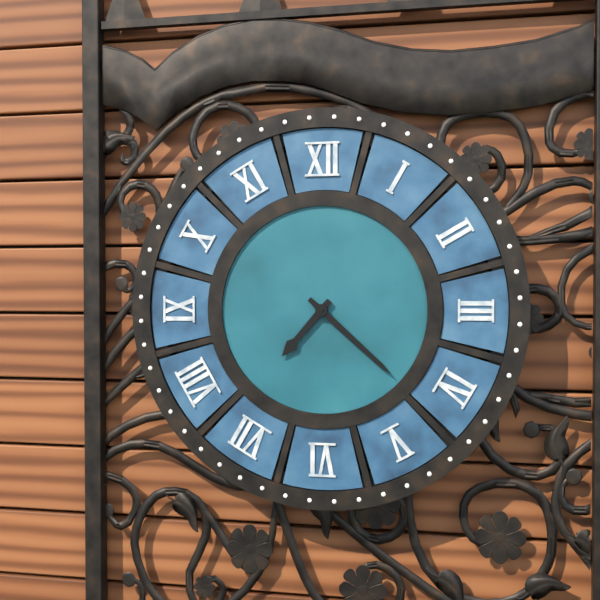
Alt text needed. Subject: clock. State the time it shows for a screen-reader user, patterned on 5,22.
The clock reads 7,22
